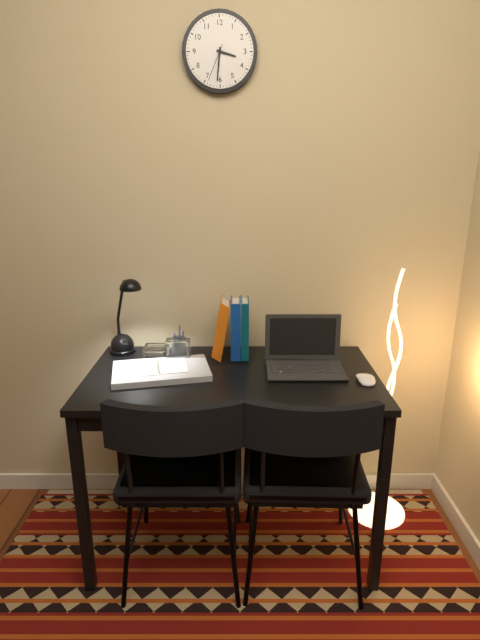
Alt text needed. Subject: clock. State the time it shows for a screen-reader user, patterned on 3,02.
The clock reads 3,31
